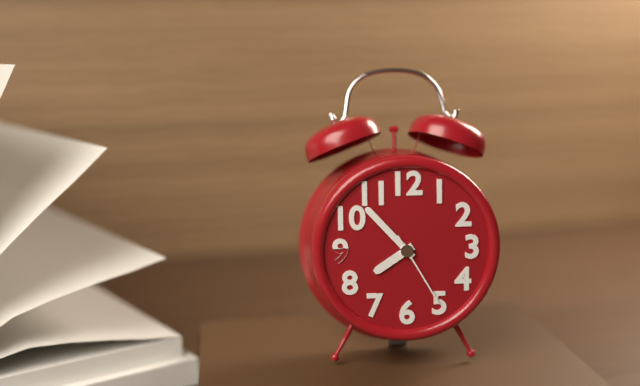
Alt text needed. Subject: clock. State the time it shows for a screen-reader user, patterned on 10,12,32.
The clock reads 7,53,25
